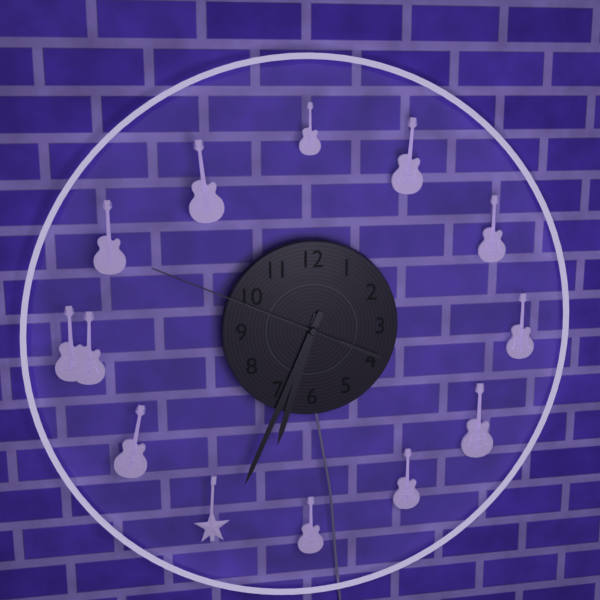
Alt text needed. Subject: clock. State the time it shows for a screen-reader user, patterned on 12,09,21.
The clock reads 6,34,49
